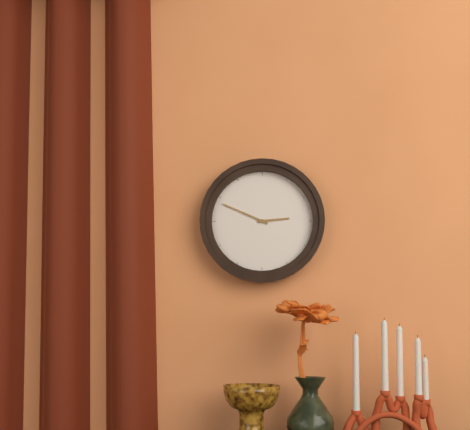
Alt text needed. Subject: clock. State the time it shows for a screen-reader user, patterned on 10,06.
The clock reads 2,49
